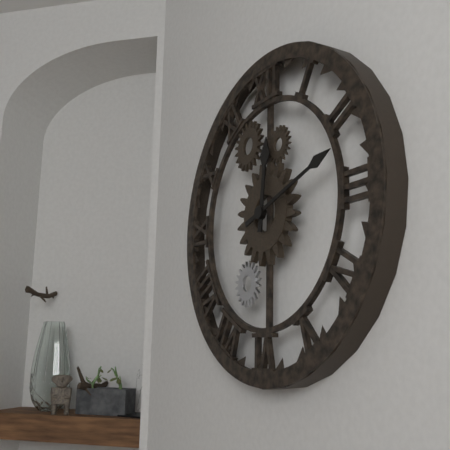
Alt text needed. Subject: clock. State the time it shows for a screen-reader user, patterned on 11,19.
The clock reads 12,12
